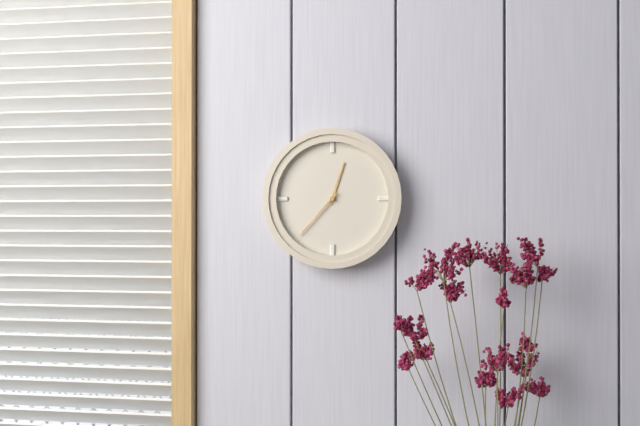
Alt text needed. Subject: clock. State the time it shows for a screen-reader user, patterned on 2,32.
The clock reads 12,37
